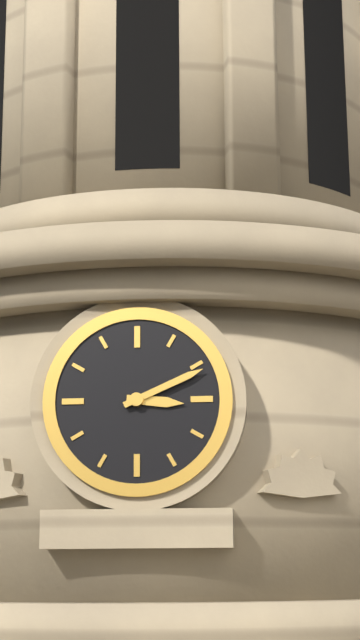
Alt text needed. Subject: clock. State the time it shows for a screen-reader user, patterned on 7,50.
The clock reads 3,11
